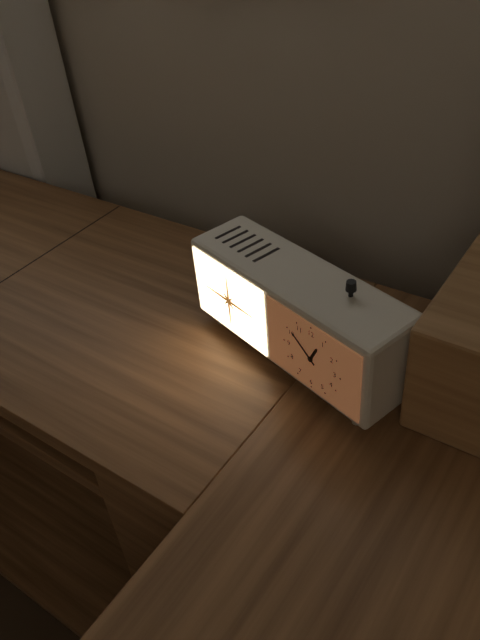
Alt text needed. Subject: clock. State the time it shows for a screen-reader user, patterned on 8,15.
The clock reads 12,51
